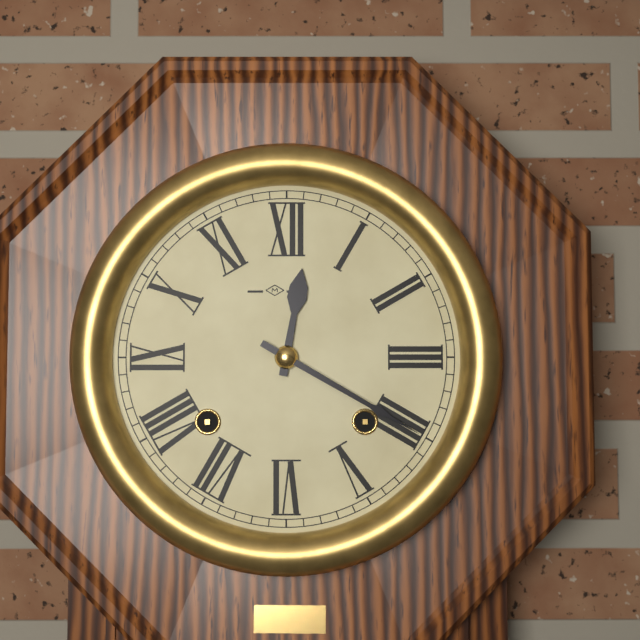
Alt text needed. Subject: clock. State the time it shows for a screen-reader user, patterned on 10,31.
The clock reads 12,20
